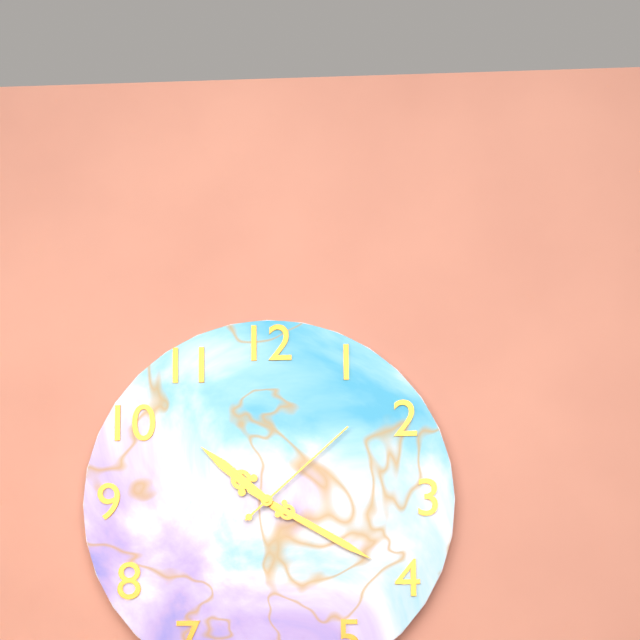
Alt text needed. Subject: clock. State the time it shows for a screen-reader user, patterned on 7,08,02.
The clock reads 10,20,08
